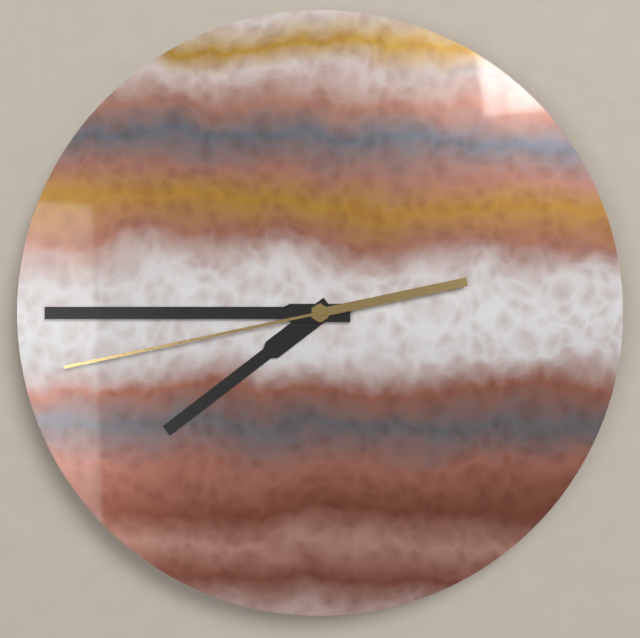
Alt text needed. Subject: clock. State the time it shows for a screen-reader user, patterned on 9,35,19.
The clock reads 7,45,43
